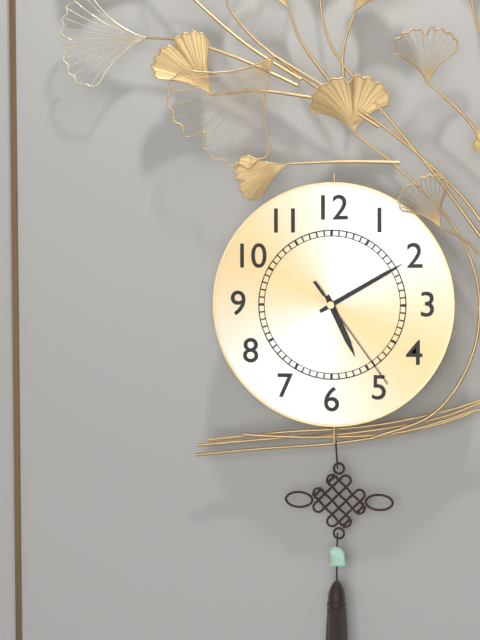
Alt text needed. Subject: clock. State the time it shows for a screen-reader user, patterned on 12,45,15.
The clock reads 5,10,24
